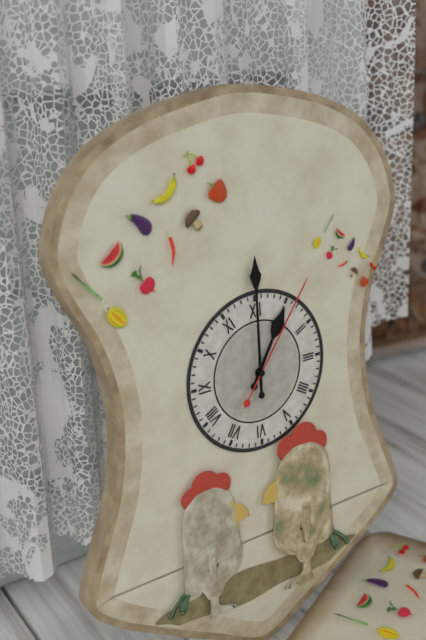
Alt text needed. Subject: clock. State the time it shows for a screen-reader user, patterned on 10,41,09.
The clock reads 1,00,06
